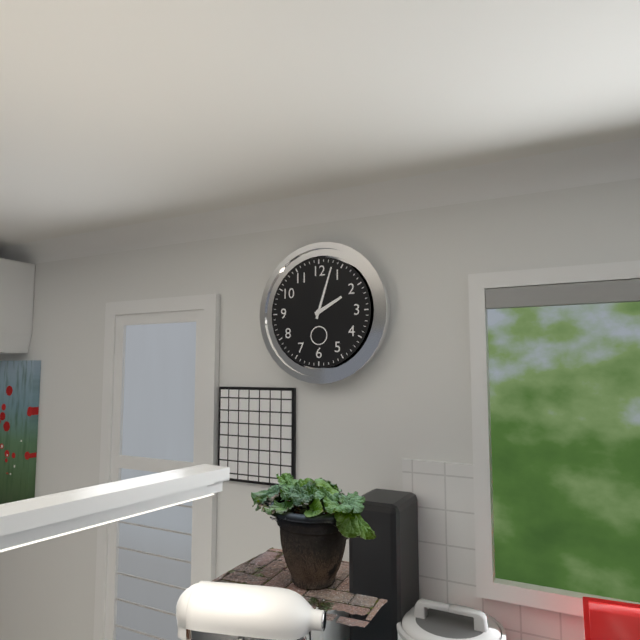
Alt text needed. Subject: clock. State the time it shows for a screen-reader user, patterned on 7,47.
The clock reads 2,03
